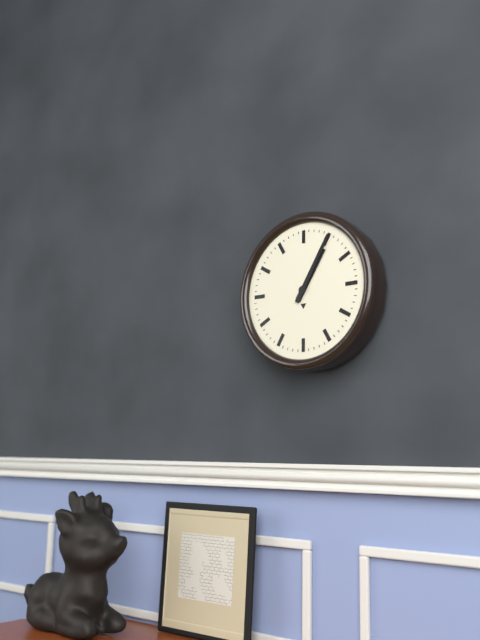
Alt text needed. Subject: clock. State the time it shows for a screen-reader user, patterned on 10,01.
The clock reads 1,05
